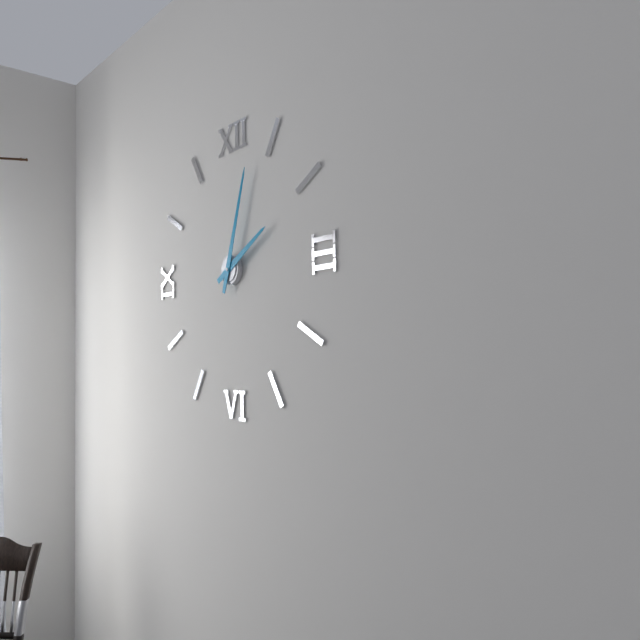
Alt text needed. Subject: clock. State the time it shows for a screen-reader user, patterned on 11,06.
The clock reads 2,03
